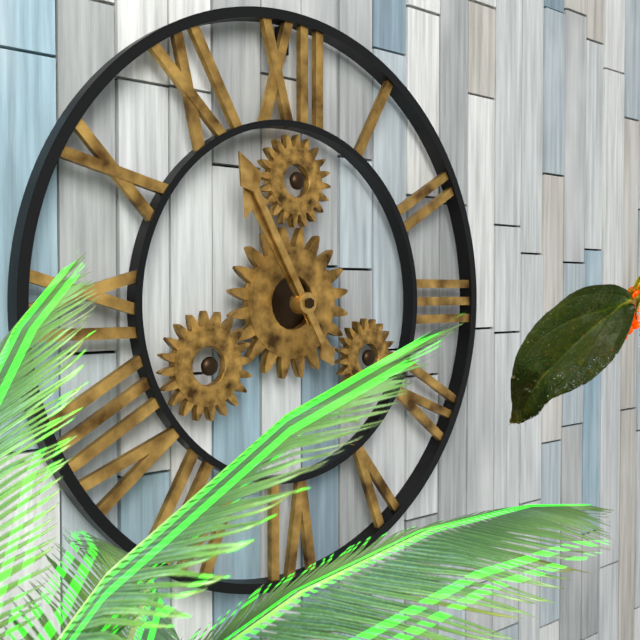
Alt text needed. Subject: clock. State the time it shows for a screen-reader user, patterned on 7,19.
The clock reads 10,55
